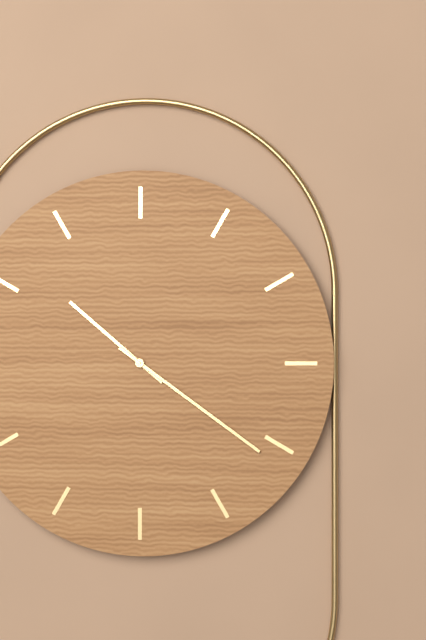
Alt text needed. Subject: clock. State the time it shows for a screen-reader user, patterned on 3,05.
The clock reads 10,21
